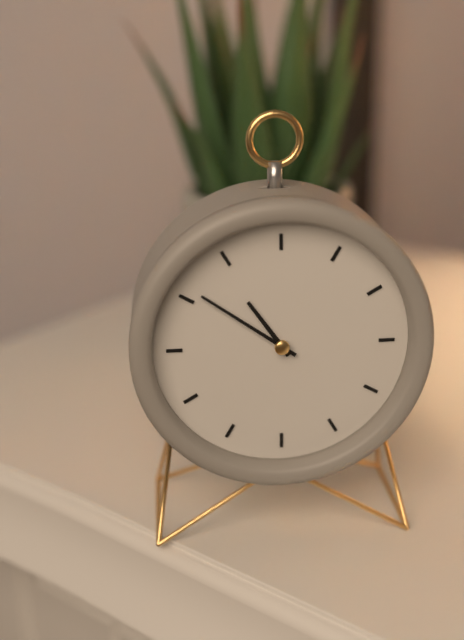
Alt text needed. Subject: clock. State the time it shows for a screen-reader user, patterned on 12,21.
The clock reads 10,51
